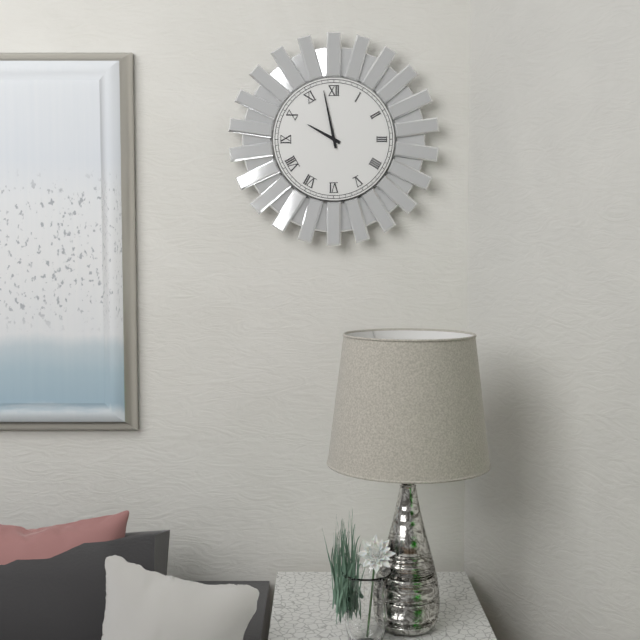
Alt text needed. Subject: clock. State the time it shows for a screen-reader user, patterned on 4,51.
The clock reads 9,58
